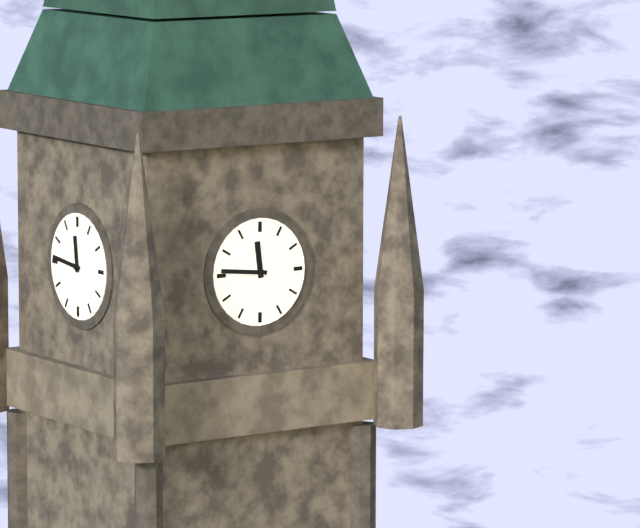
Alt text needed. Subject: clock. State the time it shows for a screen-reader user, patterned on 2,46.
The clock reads 11,46
